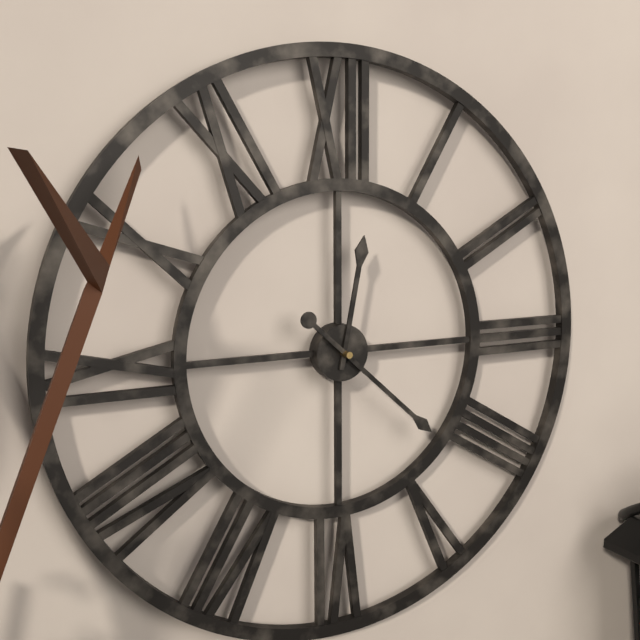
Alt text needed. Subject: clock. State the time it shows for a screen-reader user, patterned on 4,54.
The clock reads 12,22
